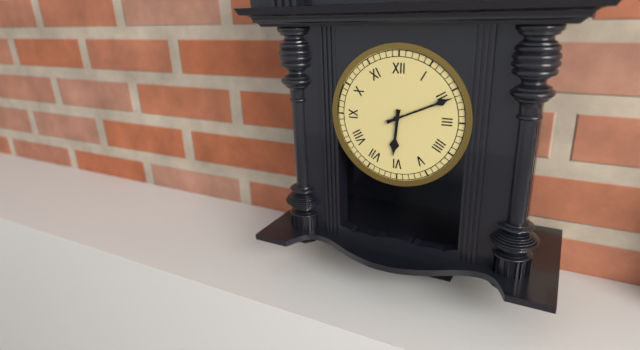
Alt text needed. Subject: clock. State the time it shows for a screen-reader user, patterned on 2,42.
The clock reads 6,11
